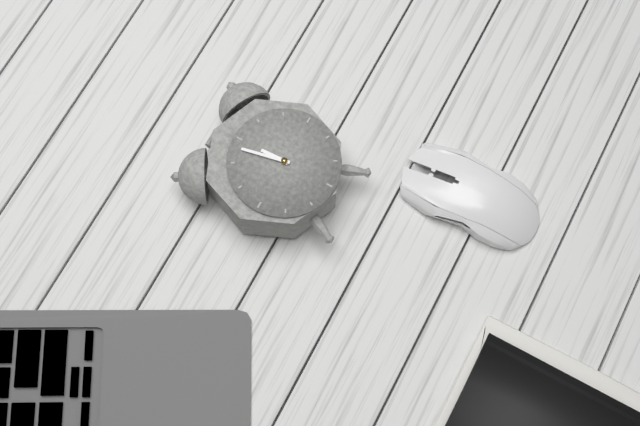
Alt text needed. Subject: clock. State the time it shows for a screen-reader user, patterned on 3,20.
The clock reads 11,58
